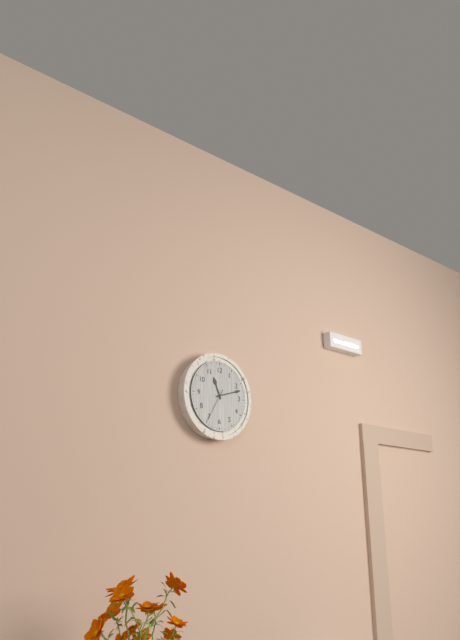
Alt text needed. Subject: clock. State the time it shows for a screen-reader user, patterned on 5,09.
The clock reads 11,12
